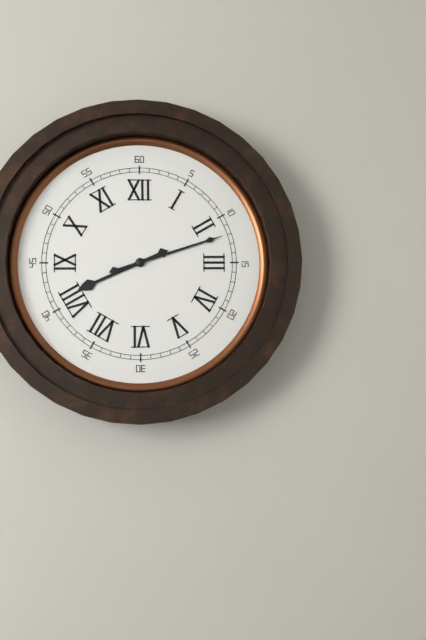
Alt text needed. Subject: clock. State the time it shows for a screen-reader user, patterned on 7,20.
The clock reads 8,12
